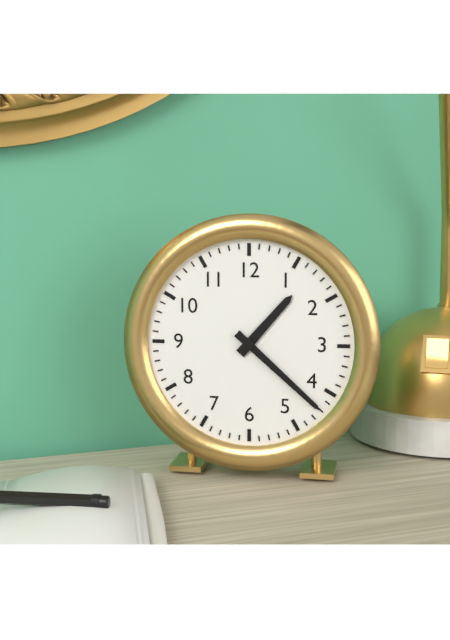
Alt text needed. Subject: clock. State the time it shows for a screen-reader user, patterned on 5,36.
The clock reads 1,22
